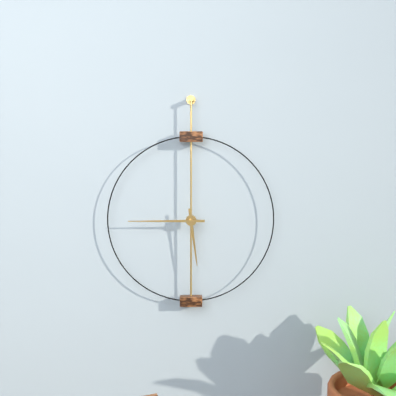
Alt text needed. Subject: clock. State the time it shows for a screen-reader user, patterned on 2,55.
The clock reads 5,45
